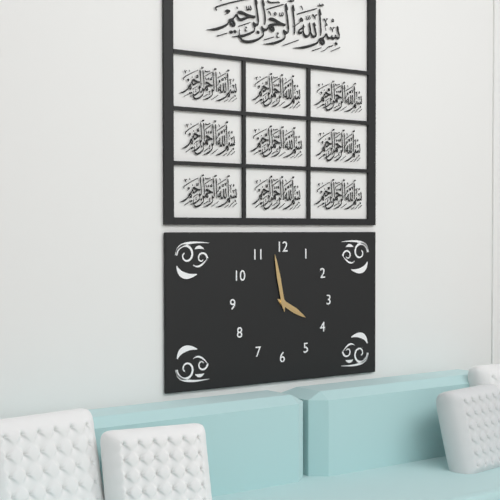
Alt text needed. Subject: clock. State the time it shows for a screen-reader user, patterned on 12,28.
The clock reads 3,58
